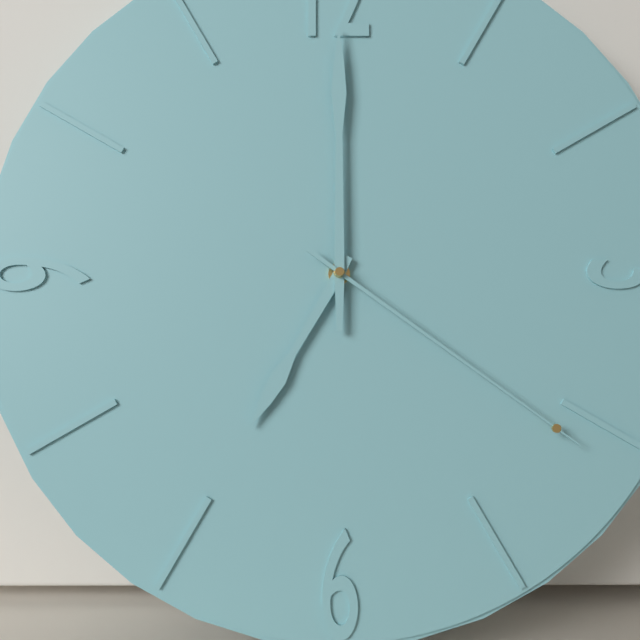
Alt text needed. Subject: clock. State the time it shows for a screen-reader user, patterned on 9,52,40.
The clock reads 7,00,21
